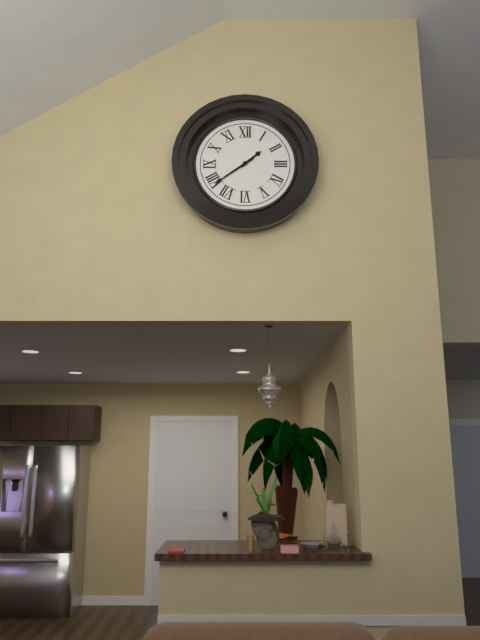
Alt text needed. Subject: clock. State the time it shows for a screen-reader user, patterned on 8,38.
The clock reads 1,39
